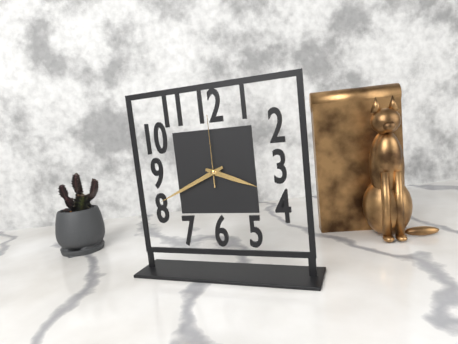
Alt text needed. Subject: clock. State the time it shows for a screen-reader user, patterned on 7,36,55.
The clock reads 3,41,00
